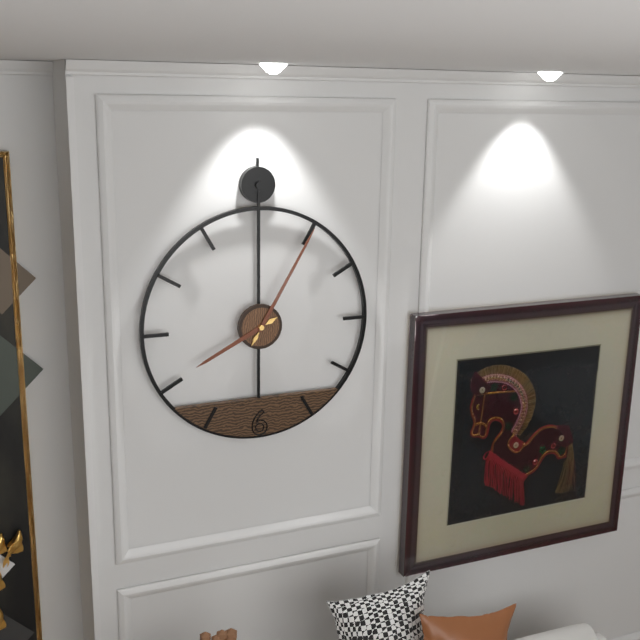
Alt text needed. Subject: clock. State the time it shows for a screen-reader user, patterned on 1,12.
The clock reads 8,05
